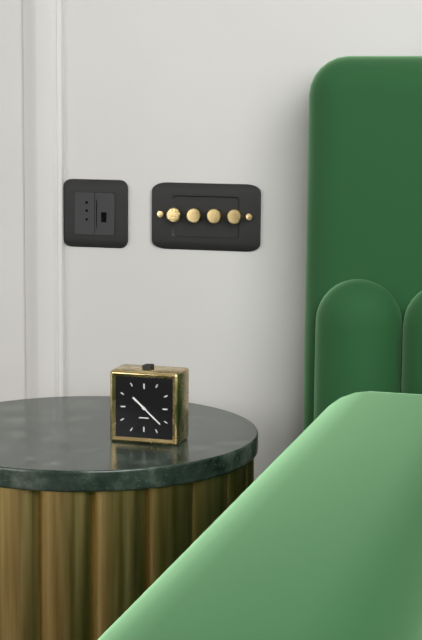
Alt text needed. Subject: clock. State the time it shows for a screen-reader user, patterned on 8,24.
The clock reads 10,22
